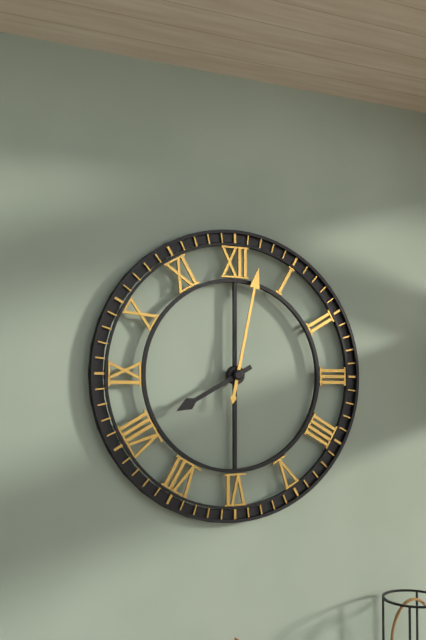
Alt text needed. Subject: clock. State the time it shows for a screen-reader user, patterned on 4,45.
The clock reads 8,02
